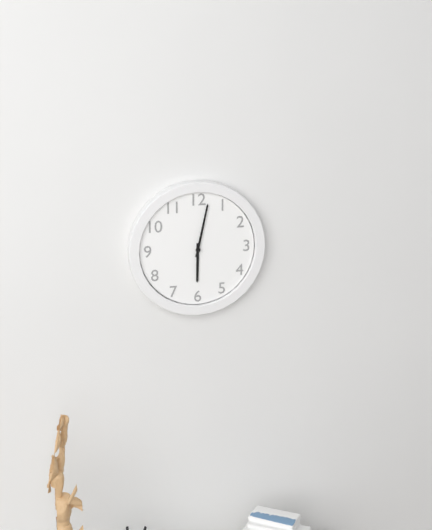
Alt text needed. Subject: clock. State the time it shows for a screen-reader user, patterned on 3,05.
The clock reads 6,02
